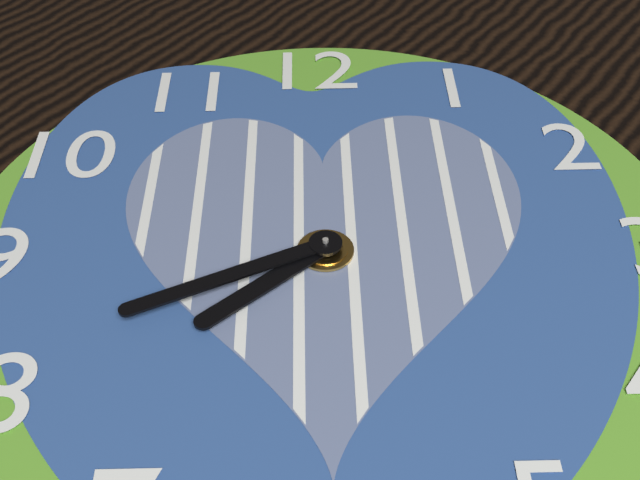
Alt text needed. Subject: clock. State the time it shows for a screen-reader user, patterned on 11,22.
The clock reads 7,41
